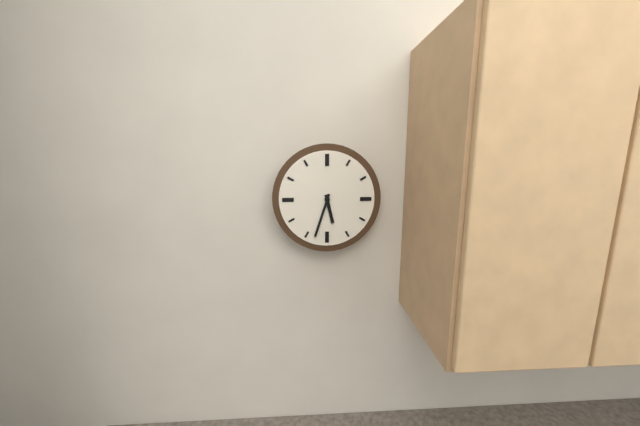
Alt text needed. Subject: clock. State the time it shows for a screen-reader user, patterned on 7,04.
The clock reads 5,33
